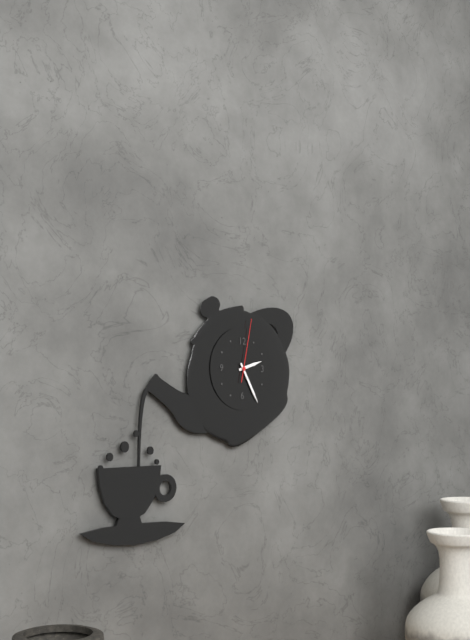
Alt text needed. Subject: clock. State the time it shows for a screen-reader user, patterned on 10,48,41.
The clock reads 2,25,02
